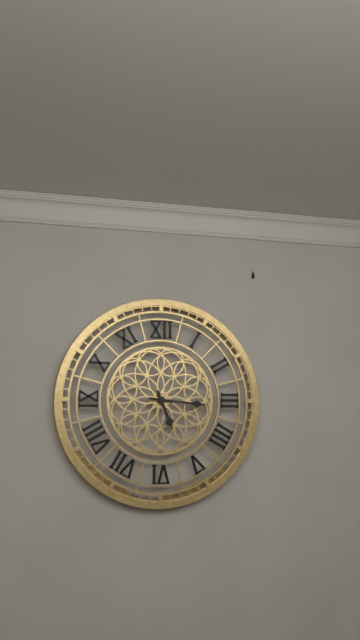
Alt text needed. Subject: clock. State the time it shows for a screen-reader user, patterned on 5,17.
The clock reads 5,16
